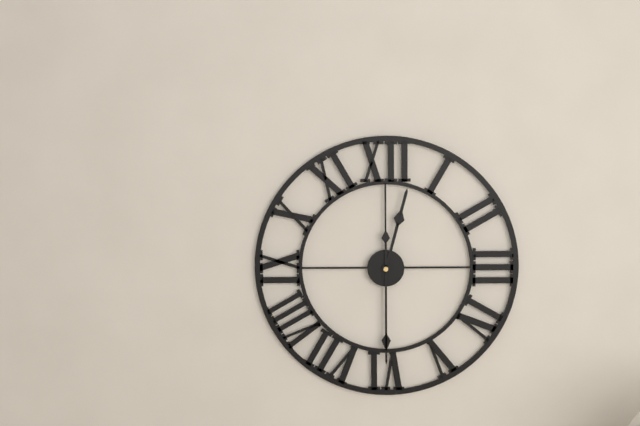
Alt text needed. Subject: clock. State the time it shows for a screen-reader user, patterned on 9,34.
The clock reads 12,30
